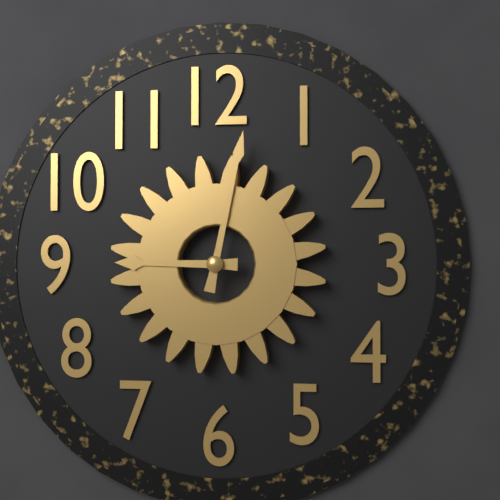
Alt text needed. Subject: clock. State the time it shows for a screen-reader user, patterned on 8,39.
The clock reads 9,02
